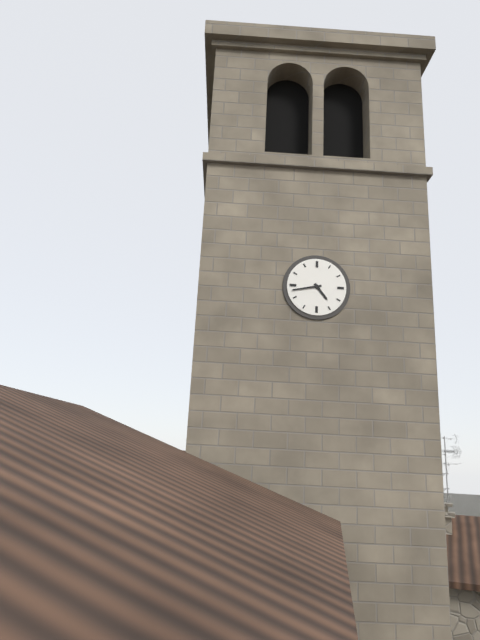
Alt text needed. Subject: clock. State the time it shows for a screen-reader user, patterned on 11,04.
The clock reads 4,43
